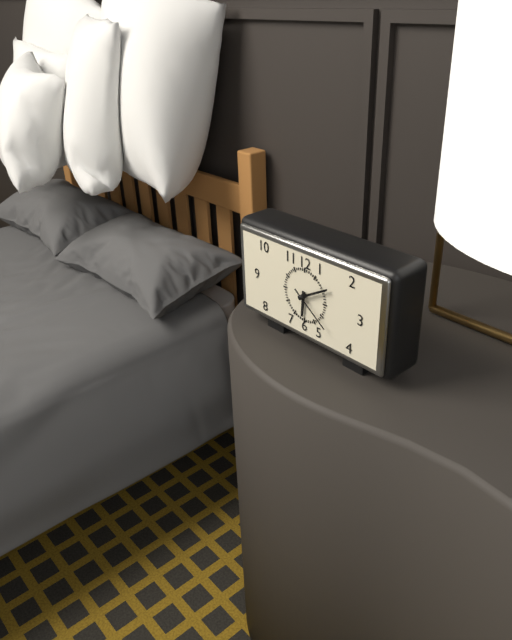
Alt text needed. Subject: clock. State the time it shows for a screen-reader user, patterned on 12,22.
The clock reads 6,10
